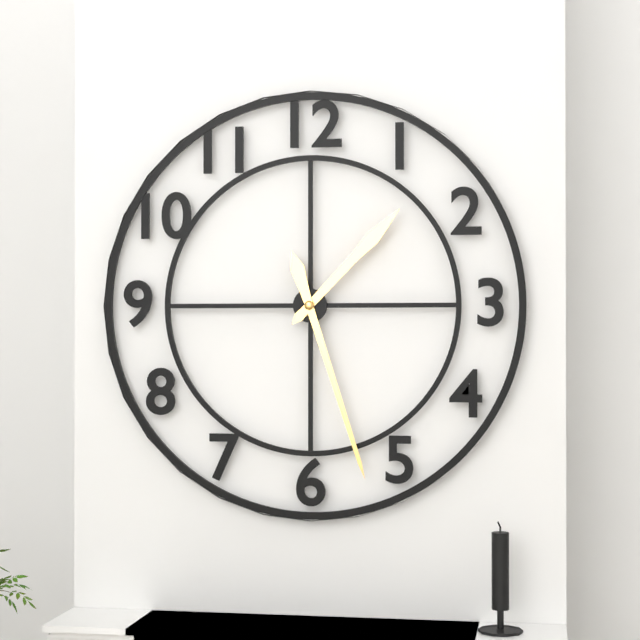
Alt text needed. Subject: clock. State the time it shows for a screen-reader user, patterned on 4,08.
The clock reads 1,27
